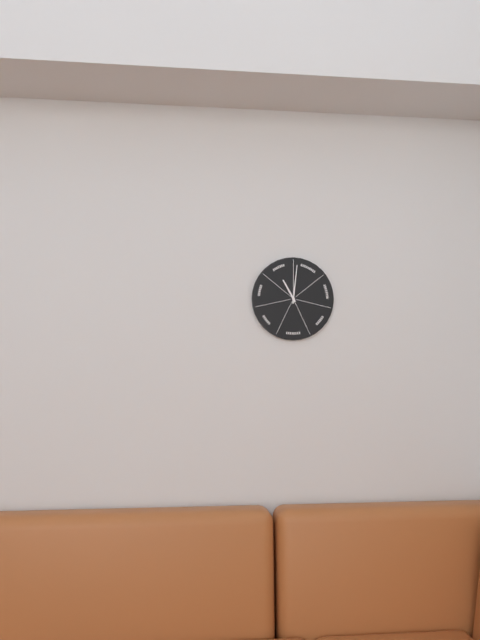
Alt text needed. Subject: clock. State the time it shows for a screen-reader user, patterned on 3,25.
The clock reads 11,01
